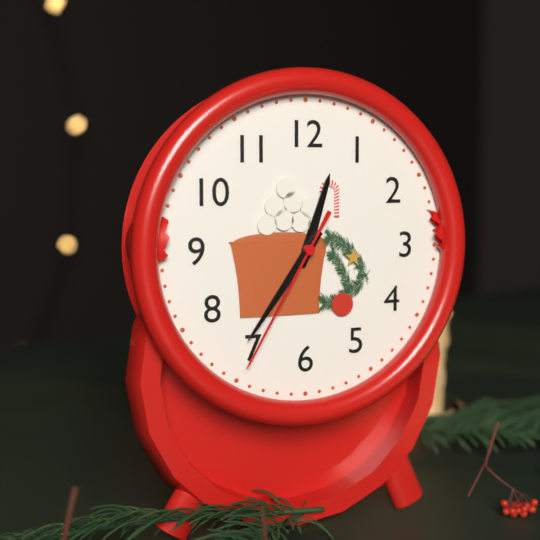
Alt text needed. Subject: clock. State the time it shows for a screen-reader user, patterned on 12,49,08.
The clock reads 12,36,35
